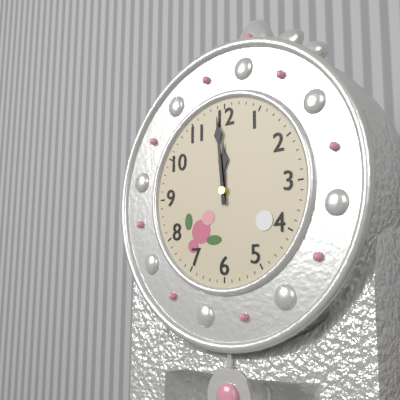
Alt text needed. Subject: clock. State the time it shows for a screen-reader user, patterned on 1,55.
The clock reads 11,59
